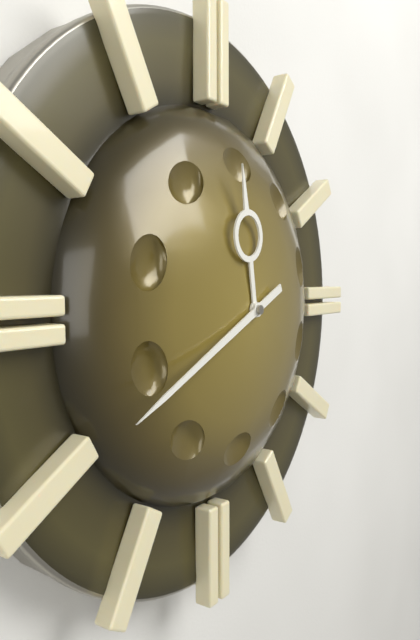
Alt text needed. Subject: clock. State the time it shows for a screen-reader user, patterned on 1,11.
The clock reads 11,41
